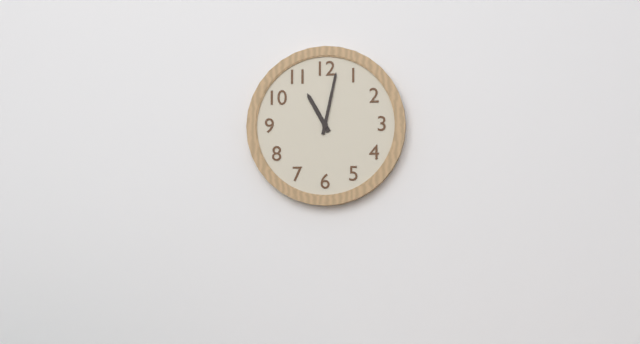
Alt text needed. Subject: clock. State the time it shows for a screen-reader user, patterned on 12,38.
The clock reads 11,02
